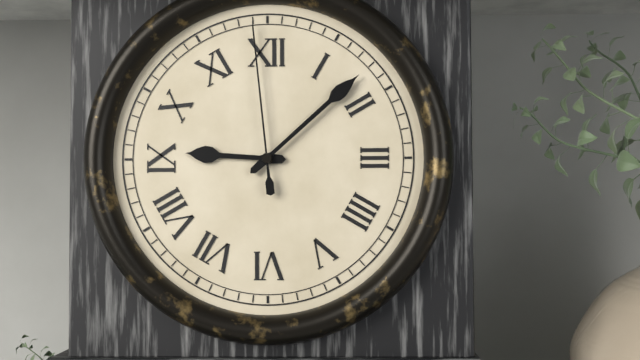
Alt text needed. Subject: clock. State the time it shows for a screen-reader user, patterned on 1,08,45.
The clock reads 9,08,59
